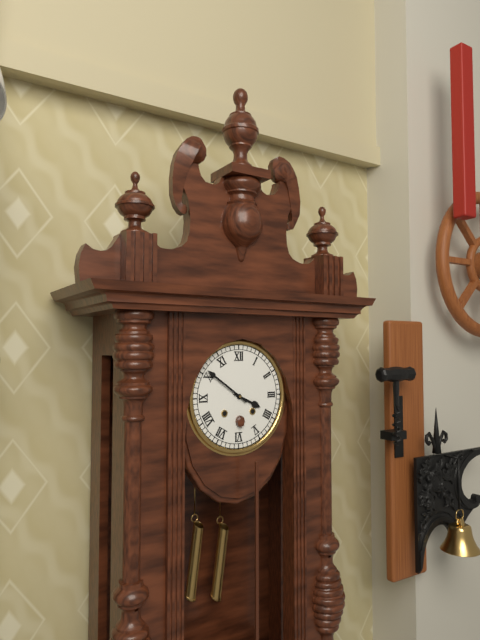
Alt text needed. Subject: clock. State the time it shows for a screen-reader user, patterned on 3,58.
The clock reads 3,51
